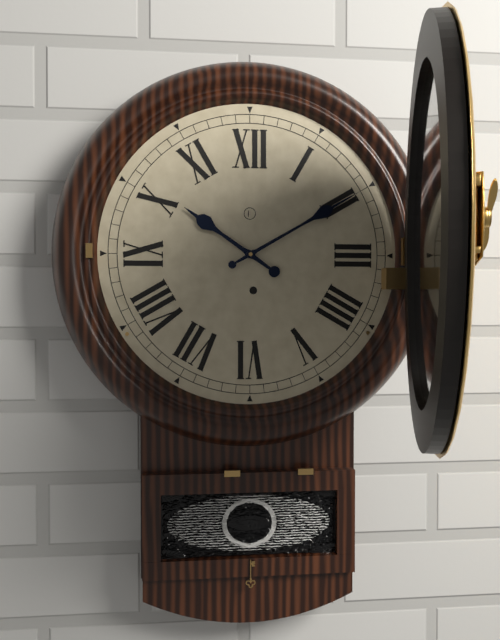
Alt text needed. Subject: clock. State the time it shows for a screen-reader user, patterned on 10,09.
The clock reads 10,10
